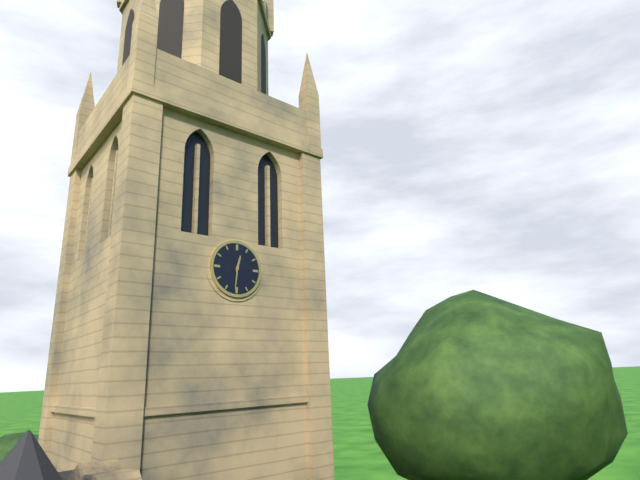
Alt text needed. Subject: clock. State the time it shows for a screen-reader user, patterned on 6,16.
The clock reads 12,31
